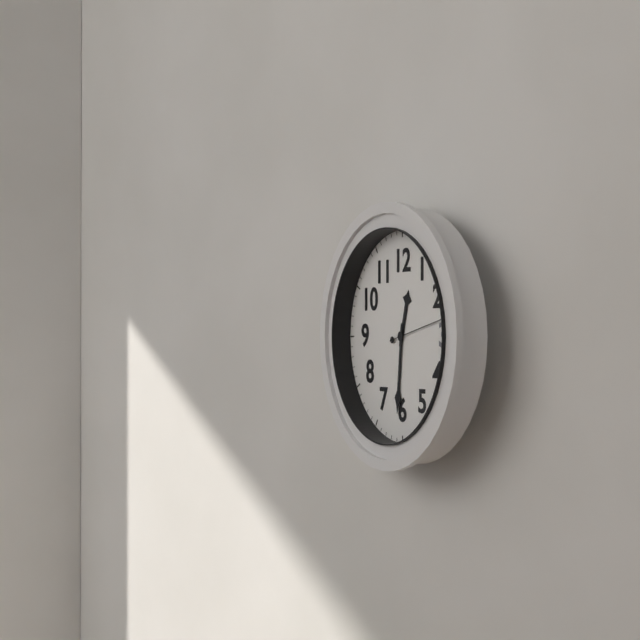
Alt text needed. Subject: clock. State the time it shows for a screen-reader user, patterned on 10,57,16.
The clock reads 12,31,13
